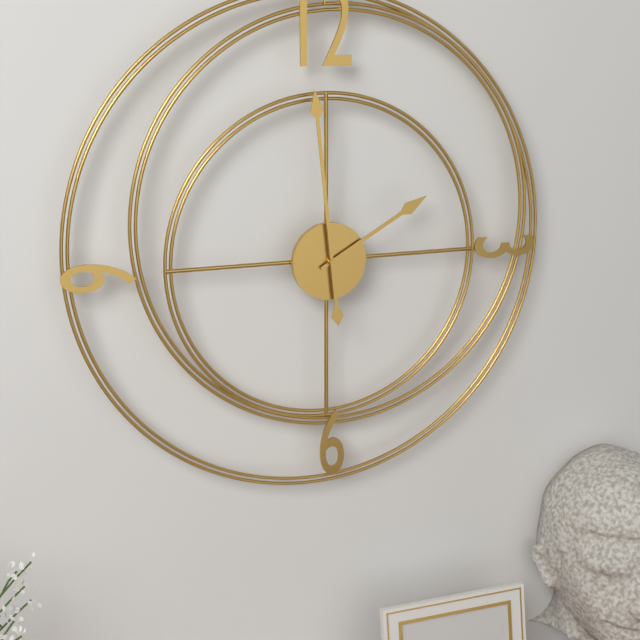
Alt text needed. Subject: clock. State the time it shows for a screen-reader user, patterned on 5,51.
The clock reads 1,59
